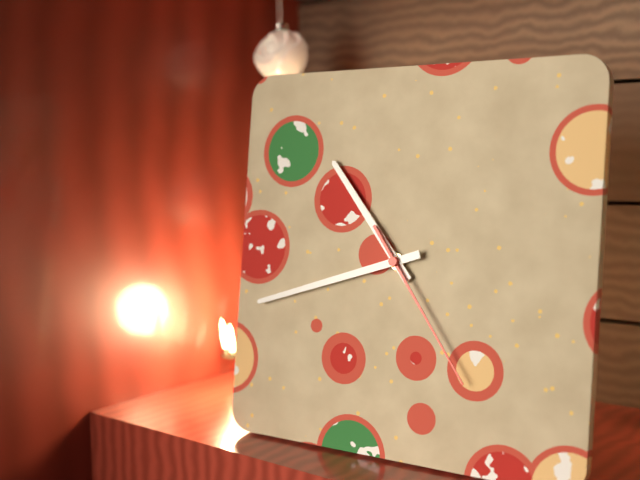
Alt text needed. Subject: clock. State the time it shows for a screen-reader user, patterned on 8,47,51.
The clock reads 10,42,24
